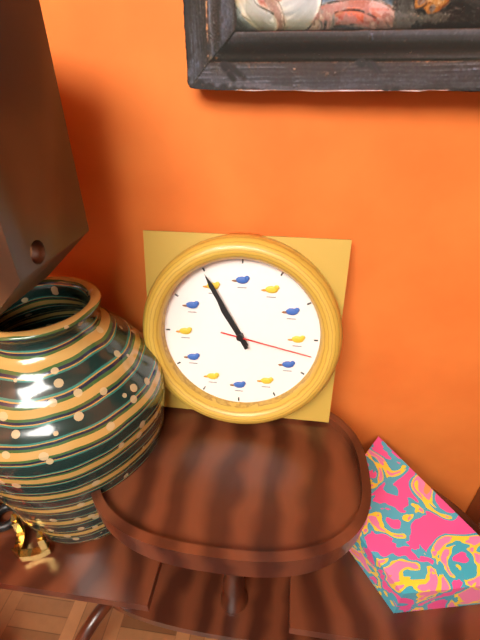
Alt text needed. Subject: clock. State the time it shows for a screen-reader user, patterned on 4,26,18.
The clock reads 10,55,17
